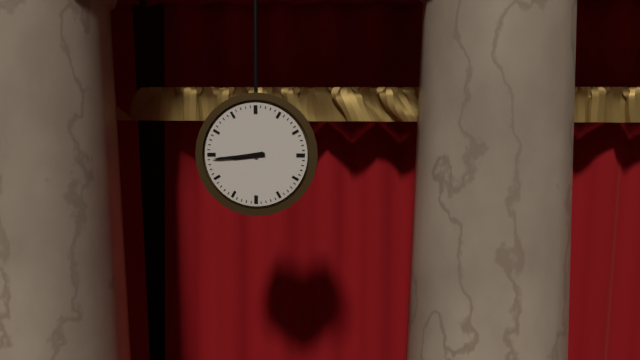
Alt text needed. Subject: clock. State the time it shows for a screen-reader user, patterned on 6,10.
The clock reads 8,44
